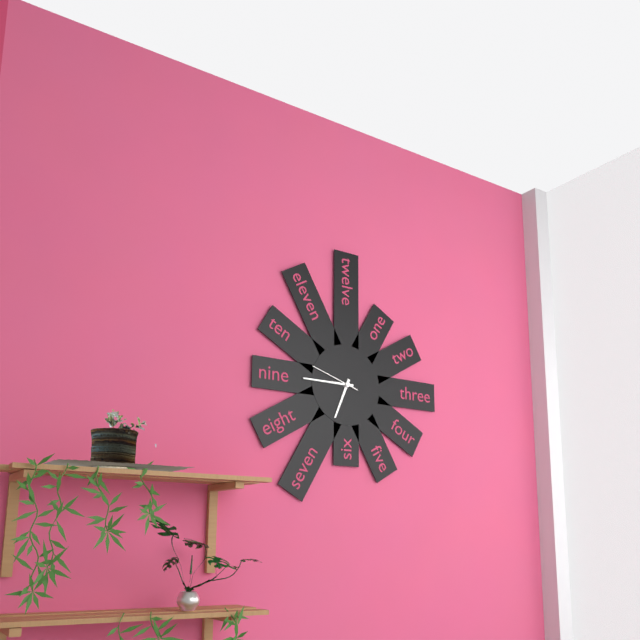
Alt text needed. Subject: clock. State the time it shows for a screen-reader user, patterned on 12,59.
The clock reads 6,45
